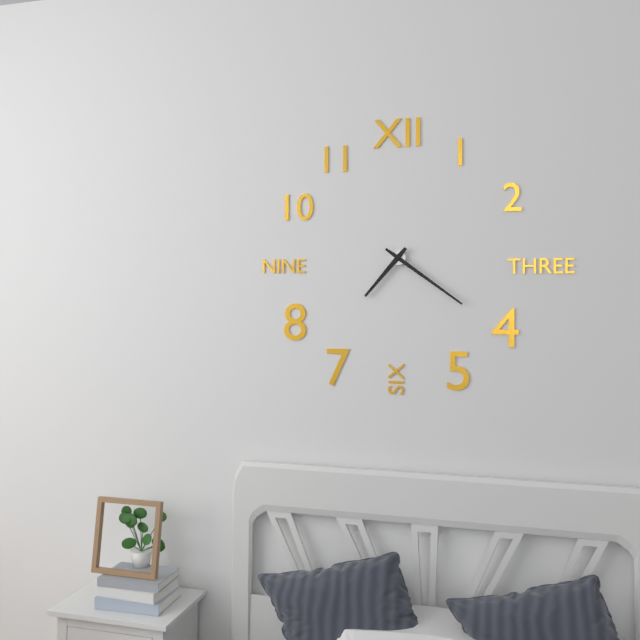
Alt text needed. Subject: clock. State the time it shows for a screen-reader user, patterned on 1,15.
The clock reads 7,21
